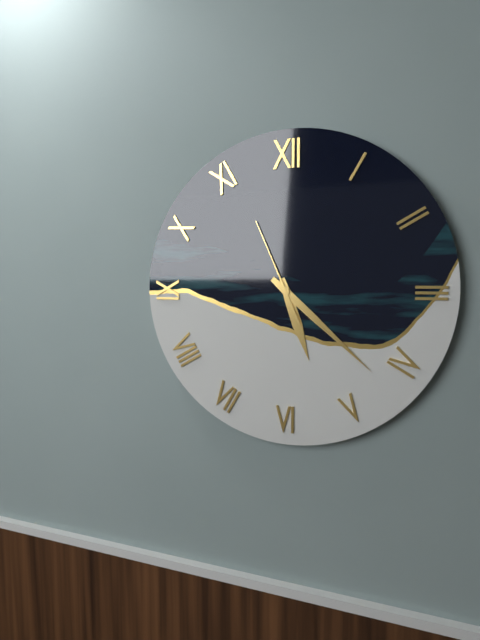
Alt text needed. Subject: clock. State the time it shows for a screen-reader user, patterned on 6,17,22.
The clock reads 5,22,56
